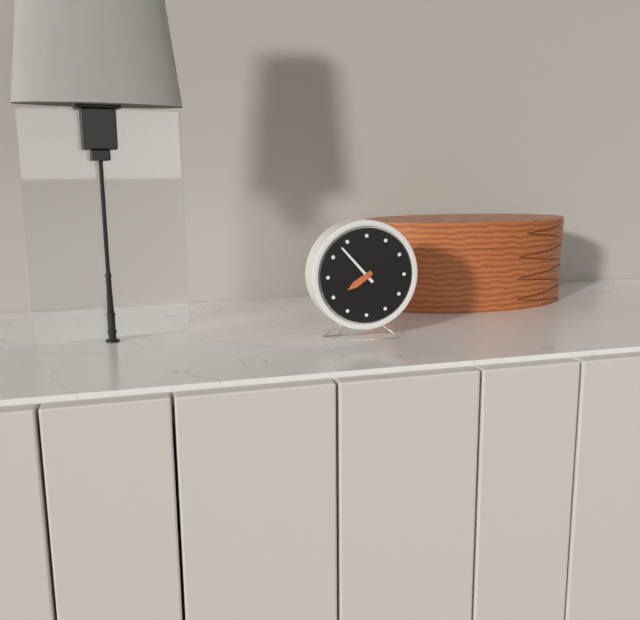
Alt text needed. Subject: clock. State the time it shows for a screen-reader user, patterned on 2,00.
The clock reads 7,53
